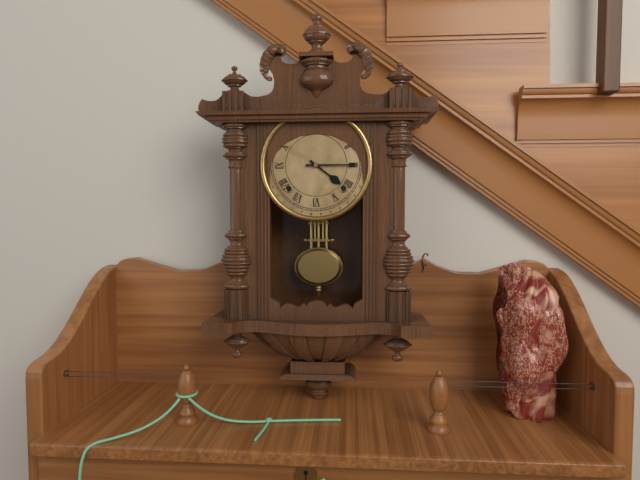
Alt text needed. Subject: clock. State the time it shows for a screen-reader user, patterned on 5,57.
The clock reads 4,15
